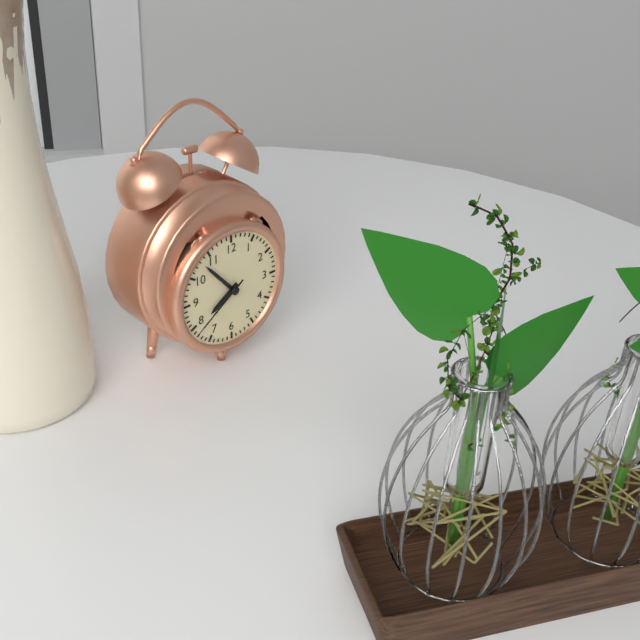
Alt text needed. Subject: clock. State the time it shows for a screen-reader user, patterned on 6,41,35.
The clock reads 7,53,39
